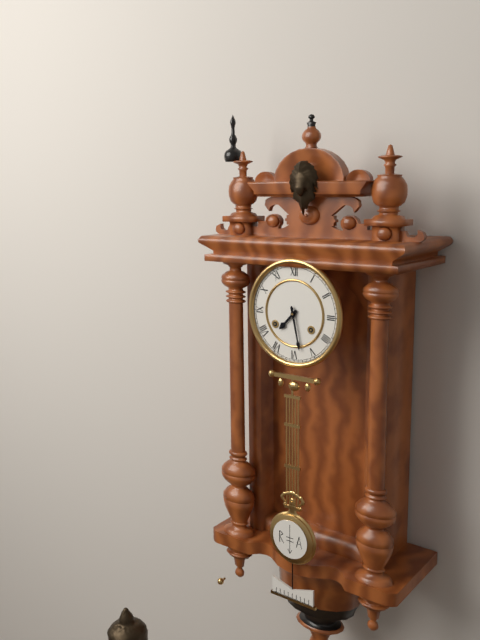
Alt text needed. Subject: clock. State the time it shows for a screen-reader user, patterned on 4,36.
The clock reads 7,28
